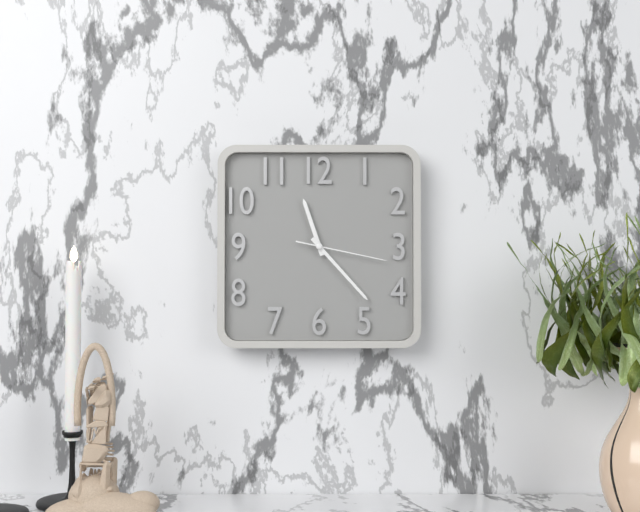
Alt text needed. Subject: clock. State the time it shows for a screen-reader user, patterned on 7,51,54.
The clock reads 11,23,17
